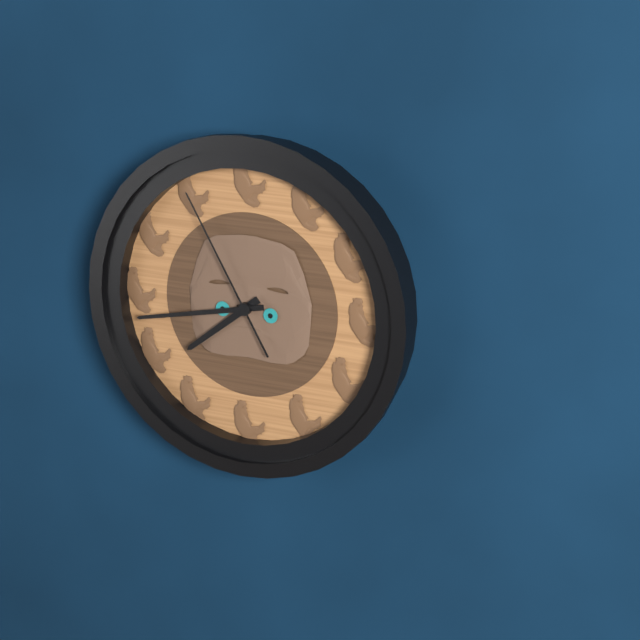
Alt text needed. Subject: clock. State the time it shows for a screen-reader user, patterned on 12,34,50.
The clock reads 7,43,55
